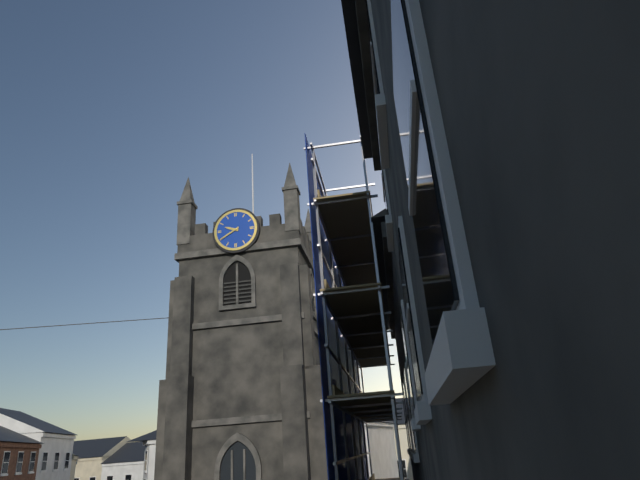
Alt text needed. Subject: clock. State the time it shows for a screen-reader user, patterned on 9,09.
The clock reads 9,40
